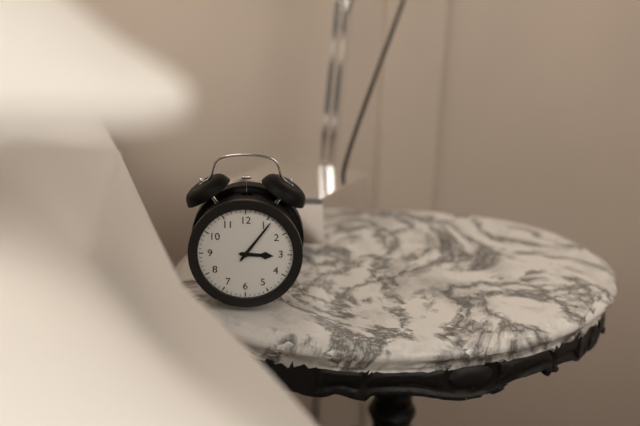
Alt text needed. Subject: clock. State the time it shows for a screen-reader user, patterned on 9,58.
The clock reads 3,06
